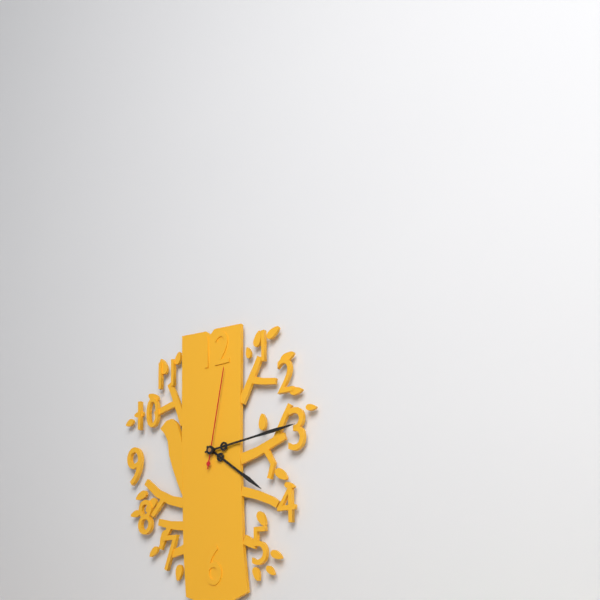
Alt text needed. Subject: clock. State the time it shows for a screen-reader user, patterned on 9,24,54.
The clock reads 4,14,02
